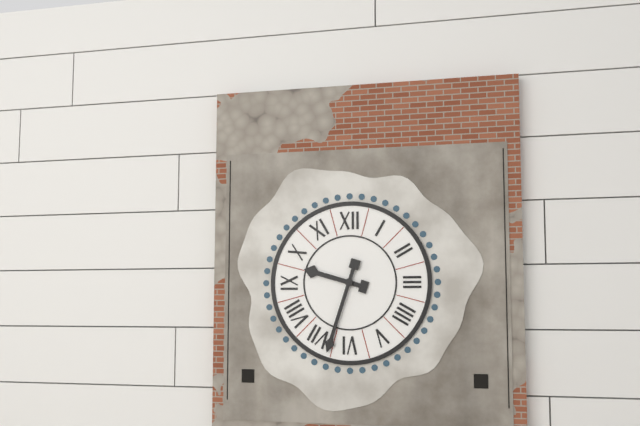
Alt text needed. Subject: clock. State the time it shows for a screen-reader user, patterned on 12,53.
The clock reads 9,33
